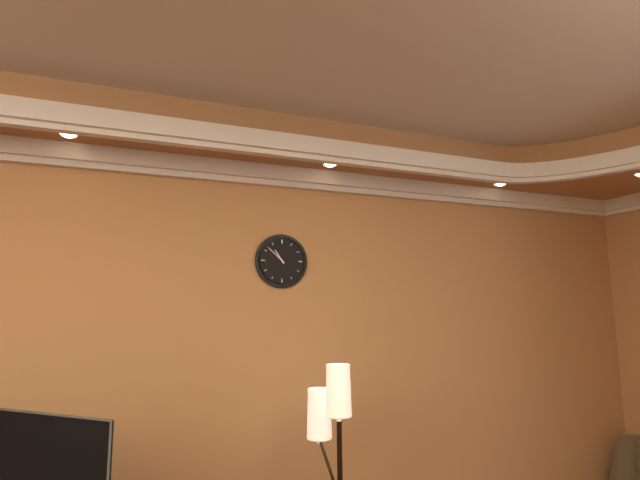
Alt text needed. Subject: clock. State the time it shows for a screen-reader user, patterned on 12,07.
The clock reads 10,52
